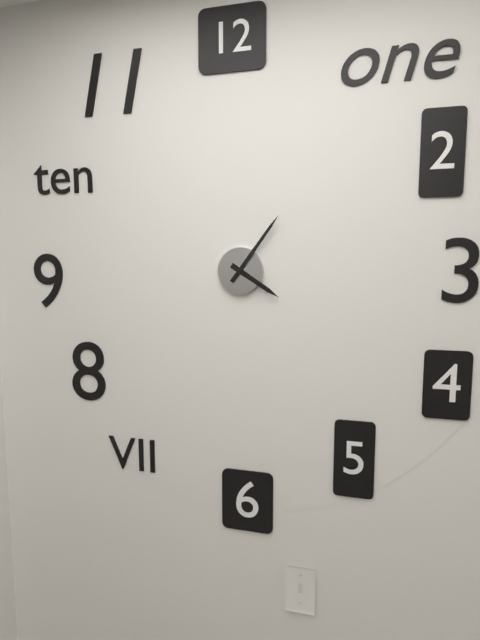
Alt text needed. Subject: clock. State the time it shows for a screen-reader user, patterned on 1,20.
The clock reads 4,06
